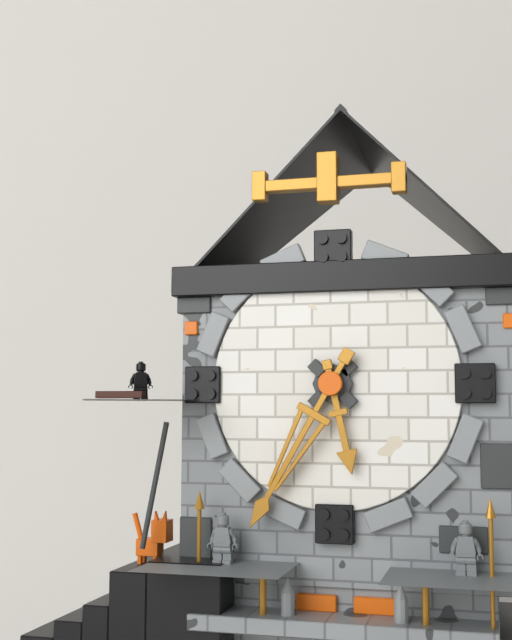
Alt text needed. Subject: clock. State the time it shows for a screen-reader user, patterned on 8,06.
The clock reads 5,35
